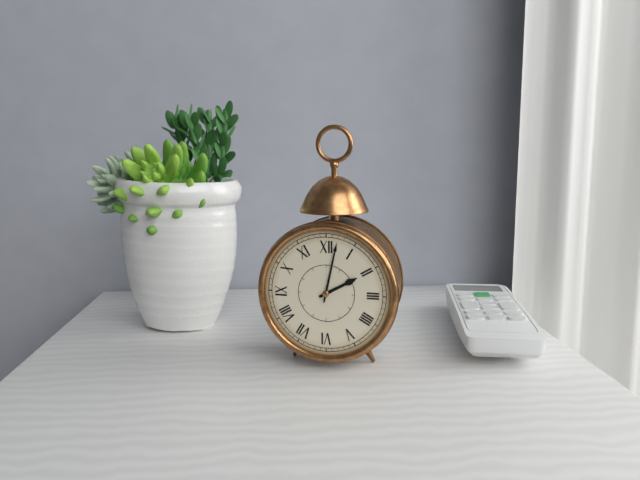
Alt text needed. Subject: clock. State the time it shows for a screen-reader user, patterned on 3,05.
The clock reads 2,02
